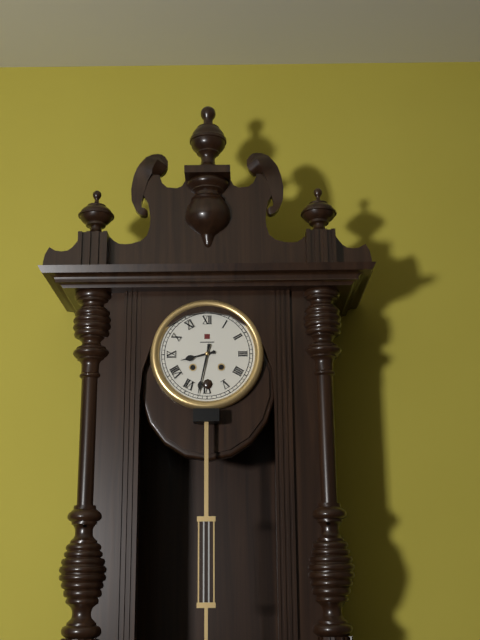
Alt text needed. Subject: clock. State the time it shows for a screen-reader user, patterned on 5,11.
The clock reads 8,32
